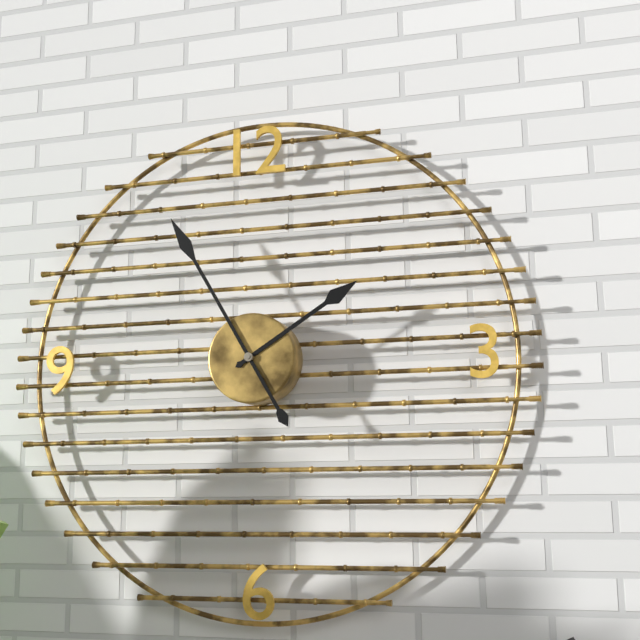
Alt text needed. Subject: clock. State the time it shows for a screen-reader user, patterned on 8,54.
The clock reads 1,55
